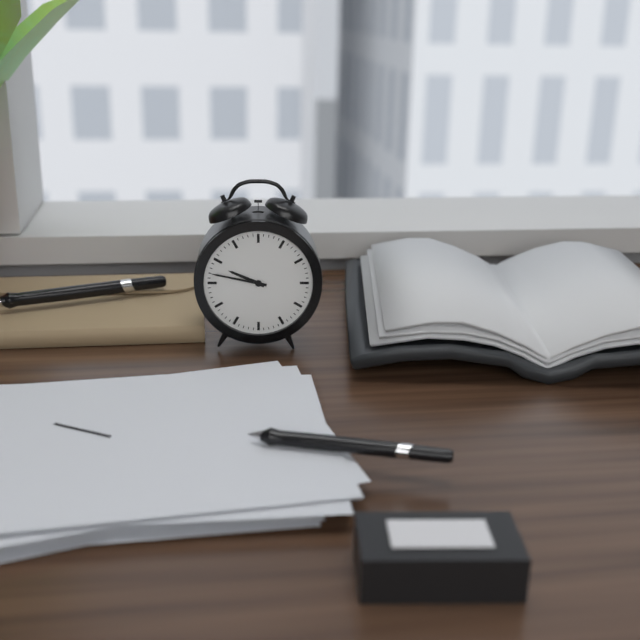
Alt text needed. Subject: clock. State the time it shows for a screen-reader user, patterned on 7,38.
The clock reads 9,47
